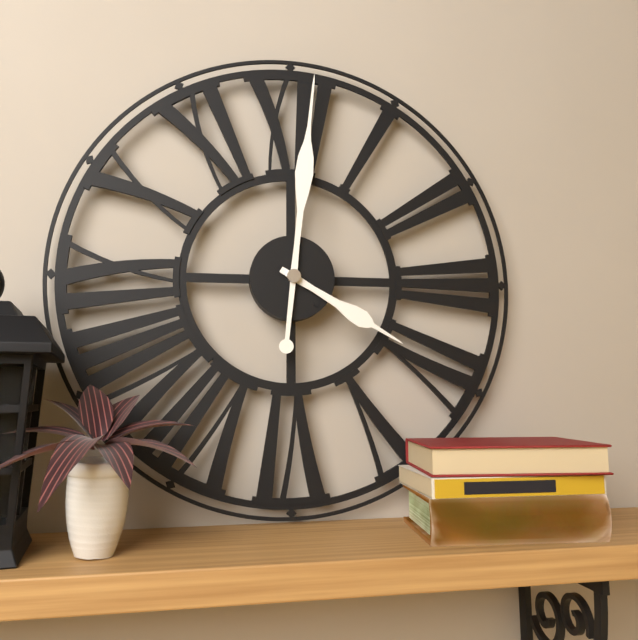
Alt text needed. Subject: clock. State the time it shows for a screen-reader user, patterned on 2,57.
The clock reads 4,01
